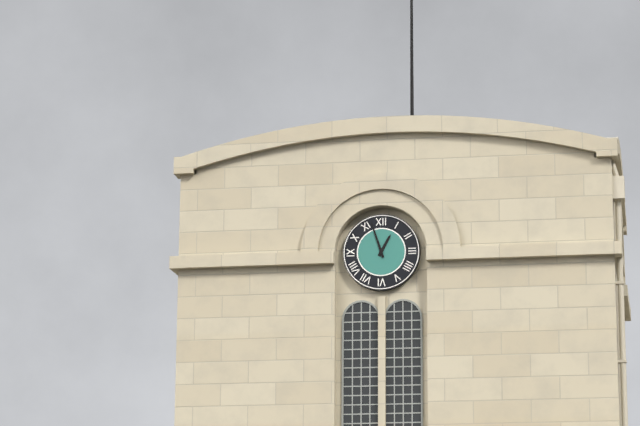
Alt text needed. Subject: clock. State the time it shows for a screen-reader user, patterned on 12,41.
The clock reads 12,57
